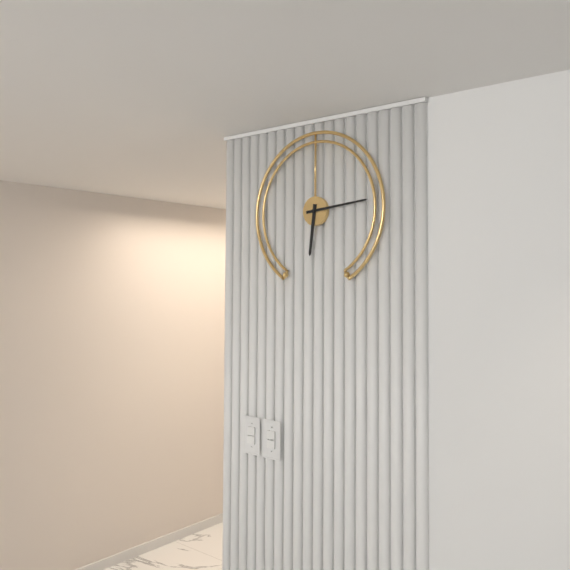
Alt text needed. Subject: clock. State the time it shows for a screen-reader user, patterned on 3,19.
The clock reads 6,14
